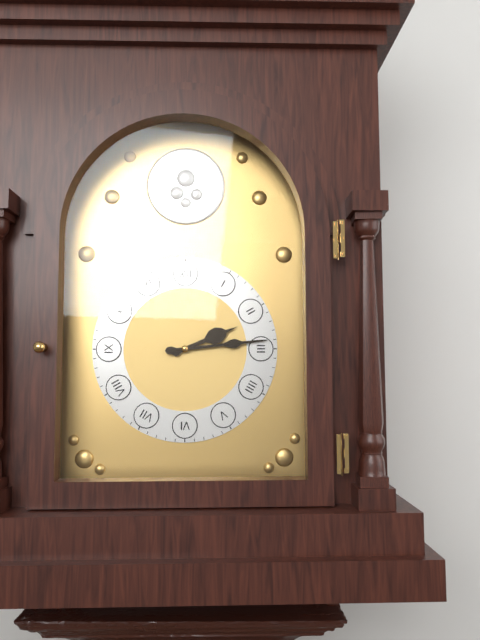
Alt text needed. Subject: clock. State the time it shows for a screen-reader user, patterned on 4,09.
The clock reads 2,14
